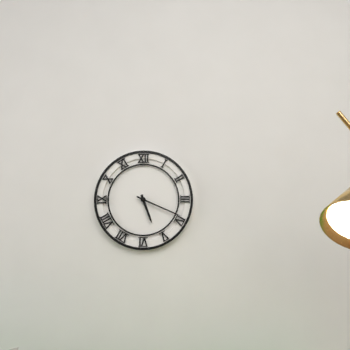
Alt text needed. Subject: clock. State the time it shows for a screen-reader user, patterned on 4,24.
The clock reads 5,19
